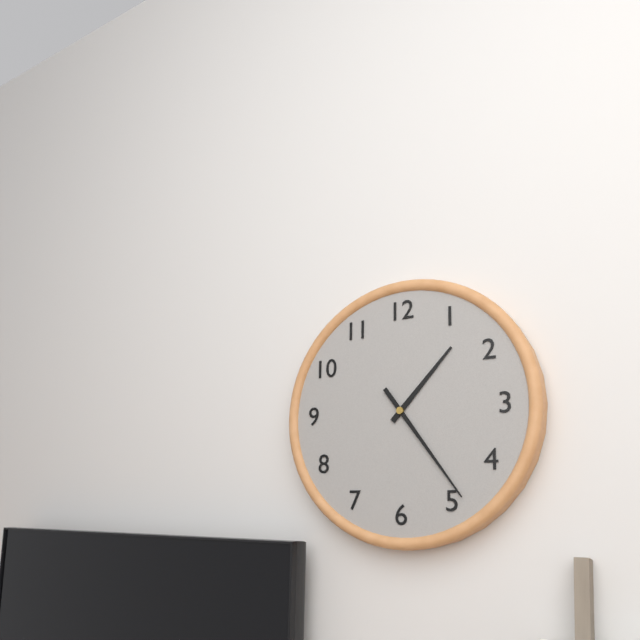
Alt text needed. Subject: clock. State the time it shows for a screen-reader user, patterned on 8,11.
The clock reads 1,24
